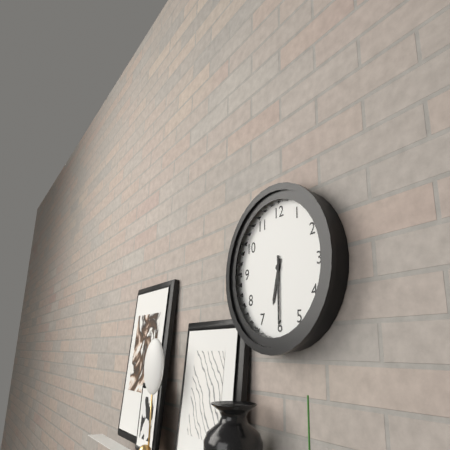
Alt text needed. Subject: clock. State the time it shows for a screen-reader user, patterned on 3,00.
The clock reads 6,30
